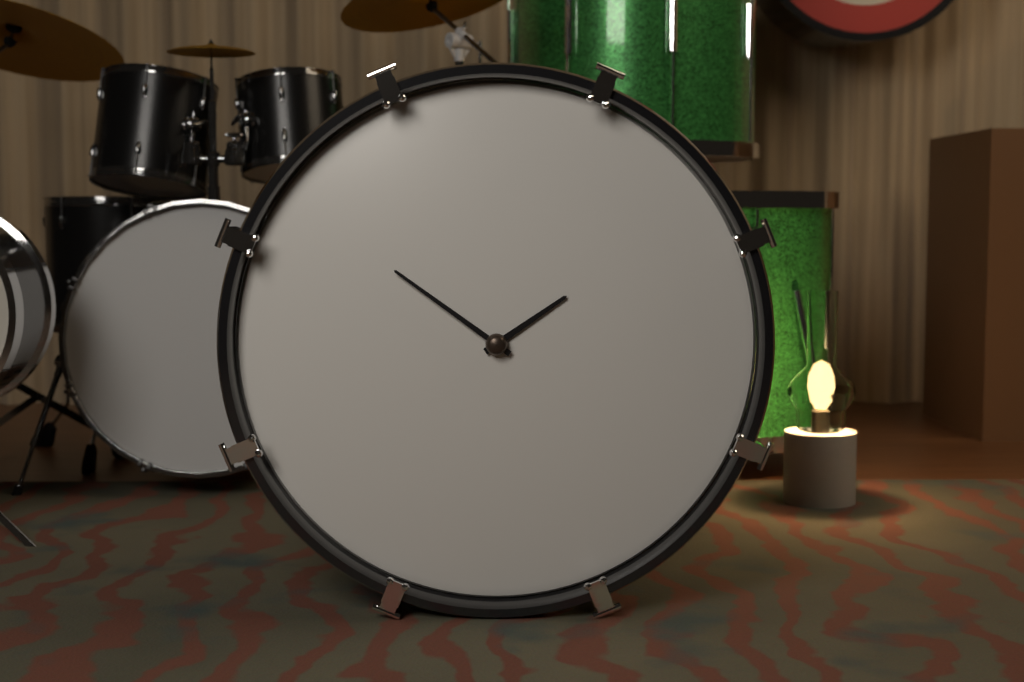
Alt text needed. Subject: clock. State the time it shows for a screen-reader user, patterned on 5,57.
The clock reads 1,51
